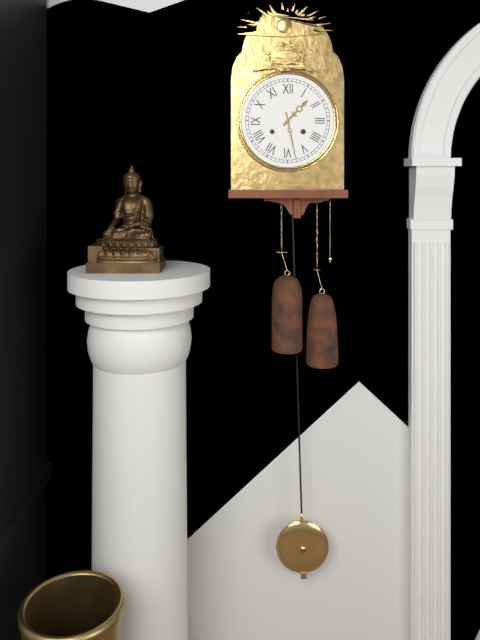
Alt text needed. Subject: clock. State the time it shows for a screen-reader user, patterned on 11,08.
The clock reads 1,28
